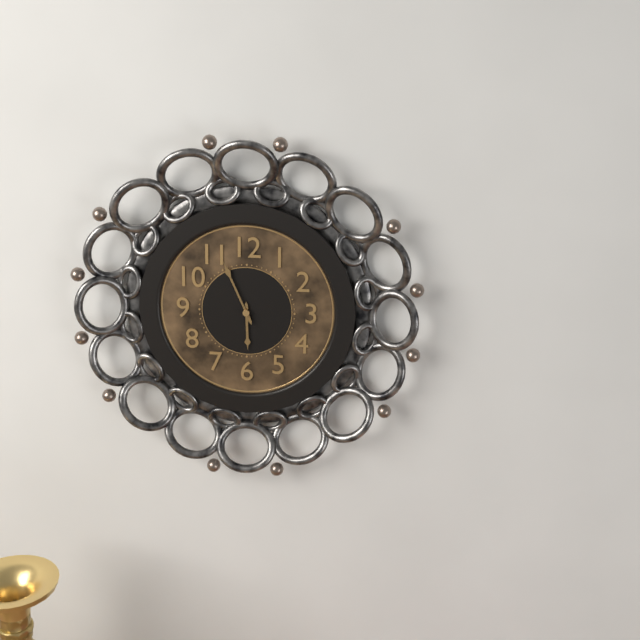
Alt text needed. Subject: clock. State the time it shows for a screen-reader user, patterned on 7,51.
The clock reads 5,56
